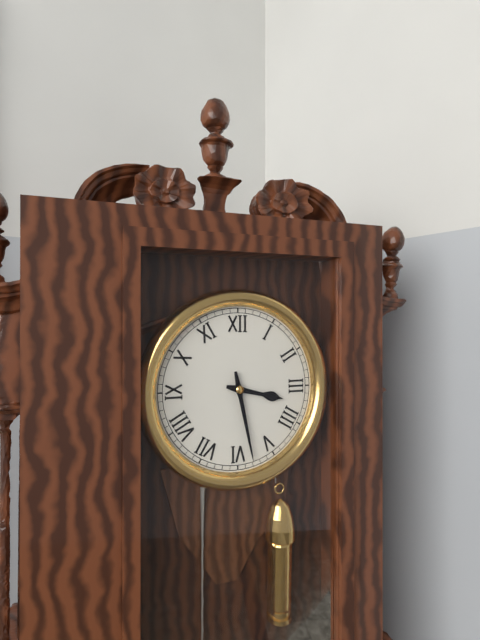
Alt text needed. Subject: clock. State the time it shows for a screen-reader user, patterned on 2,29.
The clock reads 3,28
